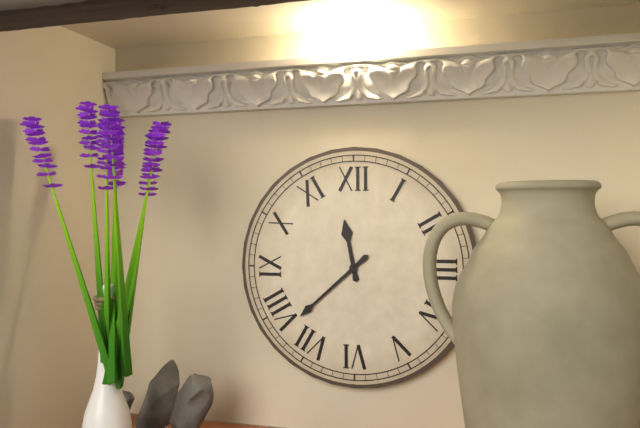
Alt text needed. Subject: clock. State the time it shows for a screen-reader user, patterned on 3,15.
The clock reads 11,38
